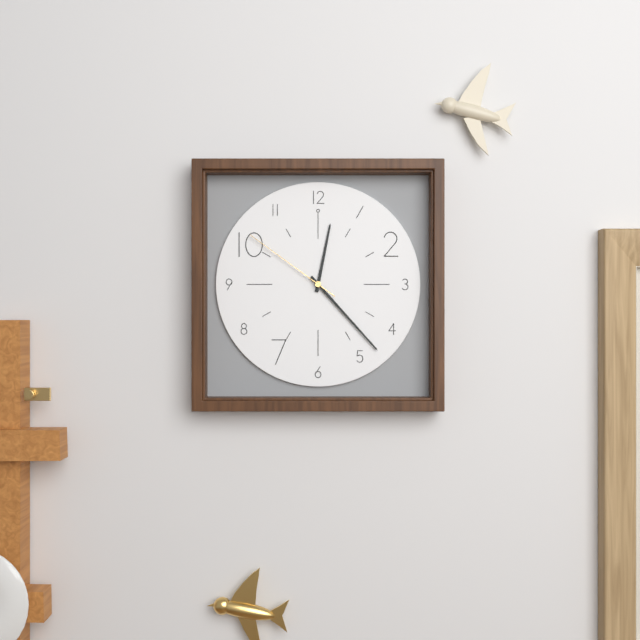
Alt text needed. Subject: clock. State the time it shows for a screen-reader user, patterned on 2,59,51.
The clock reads 12,23,51
